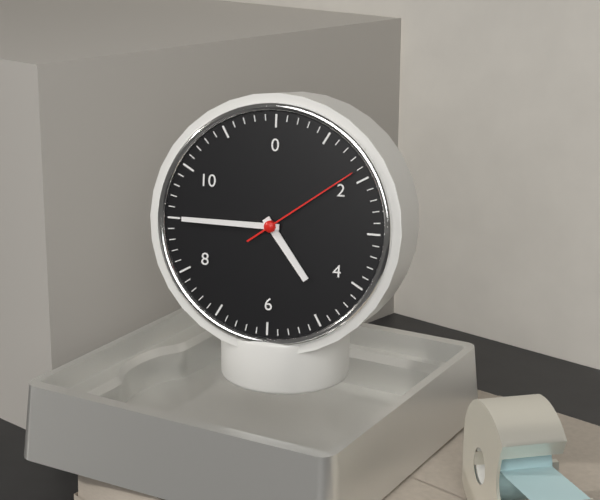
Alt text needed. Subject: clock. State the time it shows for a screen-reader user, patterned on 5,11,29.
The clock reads 4,45,09
